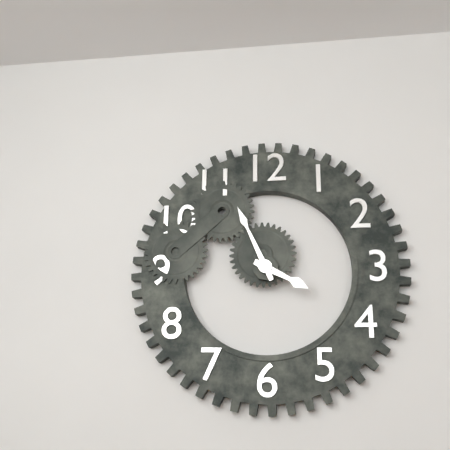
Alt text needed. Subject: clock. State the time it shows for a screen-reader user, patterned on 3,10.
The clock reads 3,56
